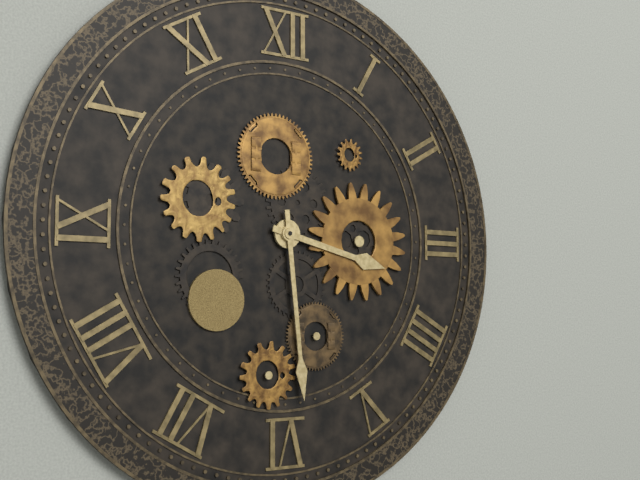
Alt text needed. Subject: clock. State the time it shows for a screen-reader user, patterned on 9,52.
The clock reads 3,29
